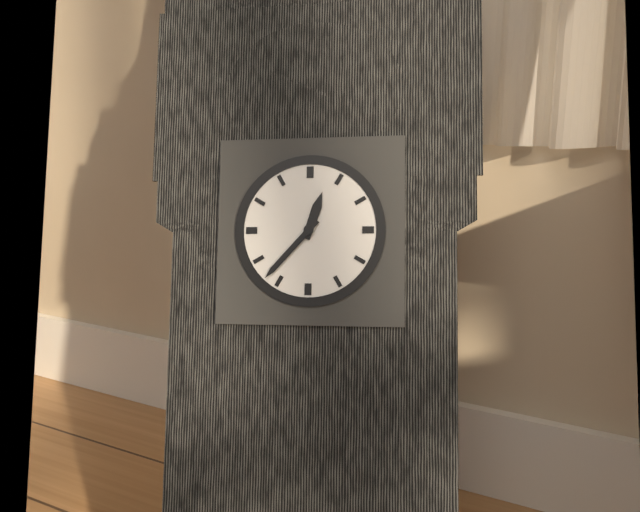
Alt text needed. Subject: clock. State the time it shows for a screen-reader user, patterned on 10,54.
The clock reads 12,37
